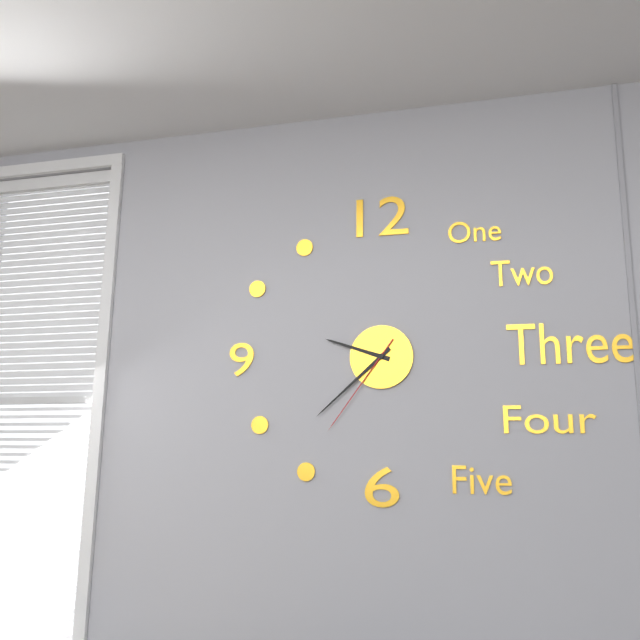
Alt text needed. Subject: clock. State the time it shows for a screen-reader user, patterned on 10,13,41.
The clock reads 9,38,36
